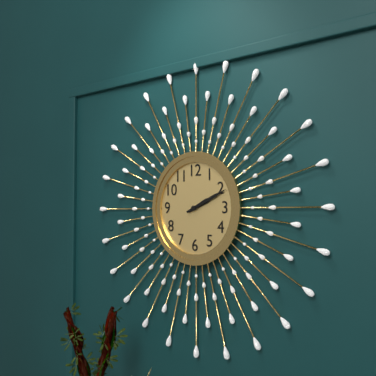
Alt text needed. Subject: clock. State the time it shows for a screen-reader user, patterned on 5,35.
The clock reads 2,11
